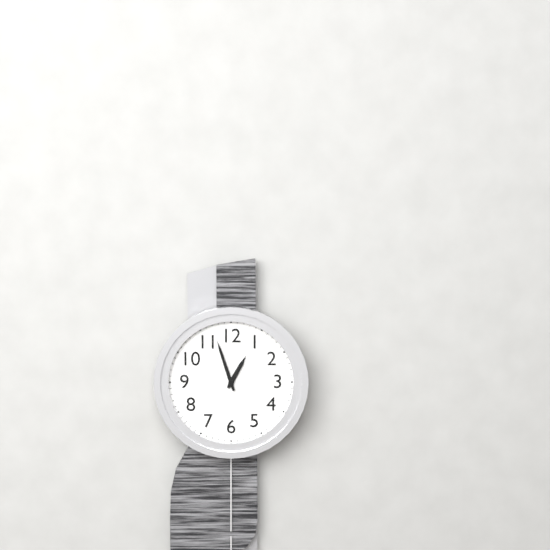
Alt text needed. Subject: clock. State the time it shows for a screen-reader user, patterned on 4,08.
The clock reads 12,57
